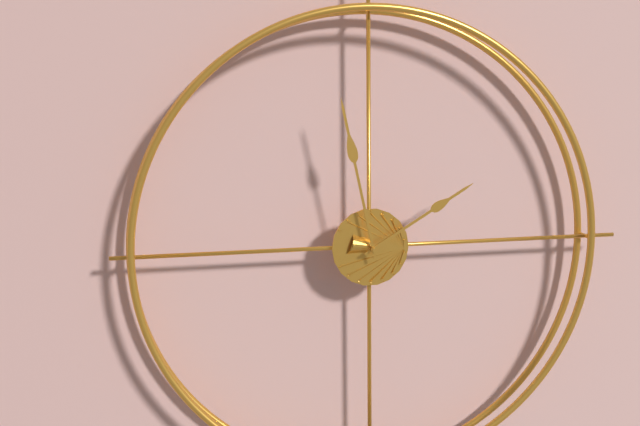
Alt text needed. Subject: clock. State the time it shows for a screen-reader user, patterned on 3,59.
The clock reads 1,58
